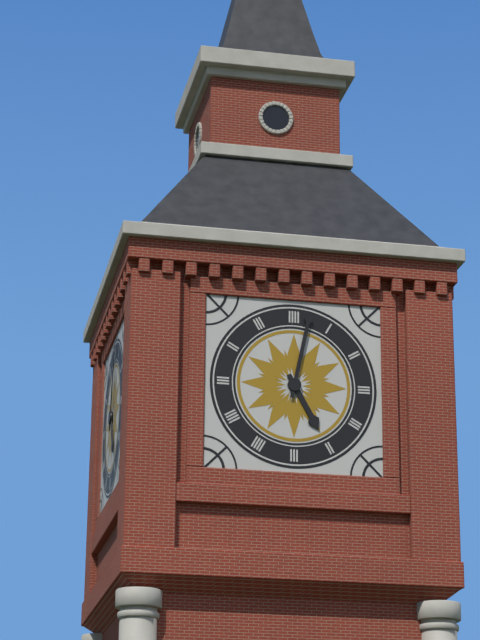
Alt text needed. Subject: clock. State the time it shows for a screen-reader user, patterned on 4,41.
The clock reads 5,02
